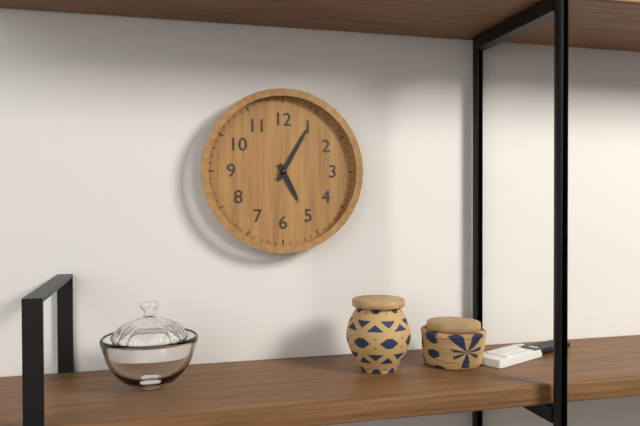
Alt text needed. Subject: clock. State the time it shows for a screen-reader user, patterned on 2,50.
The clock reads 5,05
